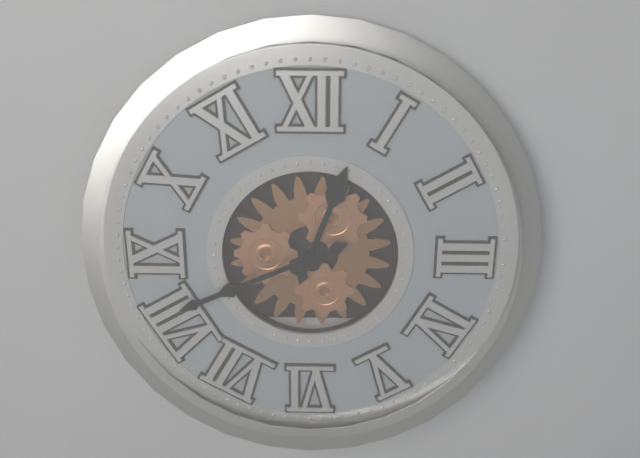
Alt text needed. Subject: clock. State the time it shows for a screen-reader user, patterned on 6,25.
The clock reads 12,41
